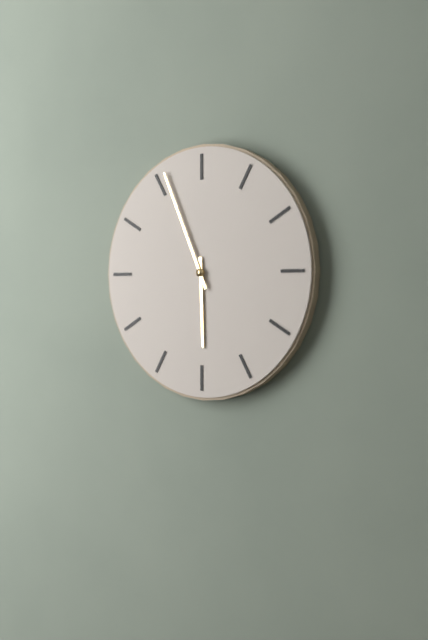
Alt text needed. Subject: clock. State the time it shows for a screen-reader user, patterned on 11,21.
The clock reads 5,56
